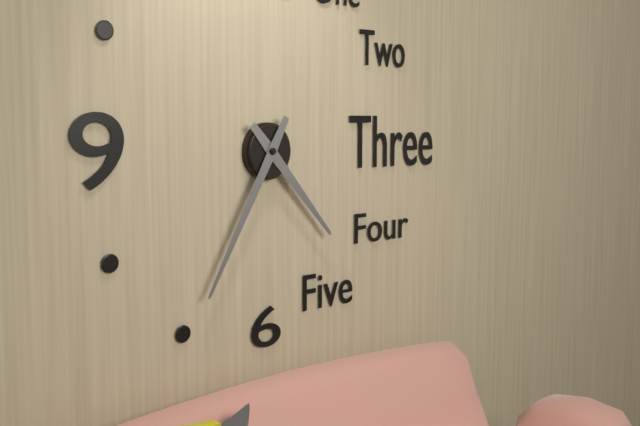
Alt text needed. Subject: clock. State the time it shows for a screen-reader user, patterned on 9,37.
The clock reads 4,35
